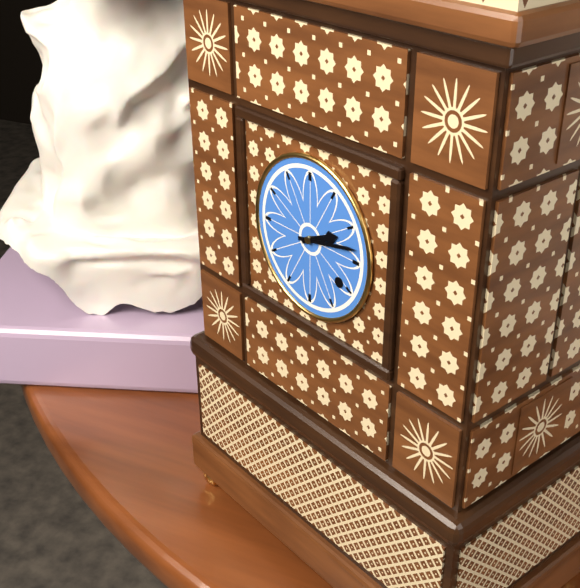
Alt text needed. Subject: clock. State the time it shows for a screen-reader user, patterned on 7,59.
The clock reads 2,13
